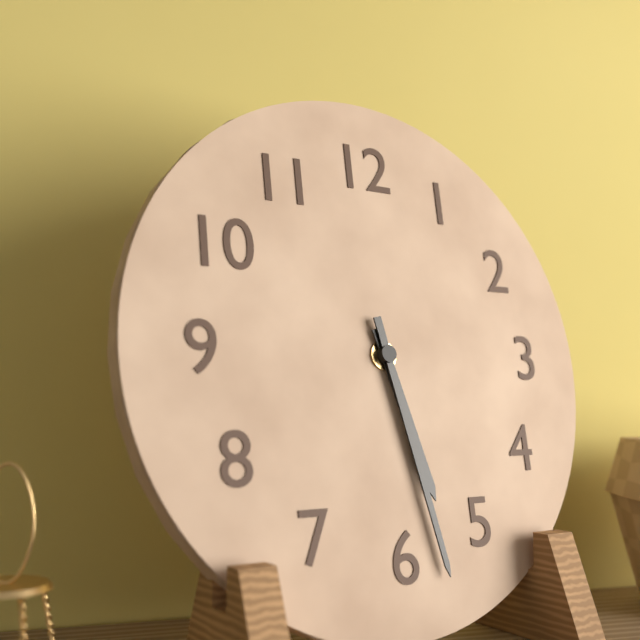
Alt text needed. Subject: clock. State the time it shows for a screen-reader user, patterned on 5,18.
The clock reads 5,28
